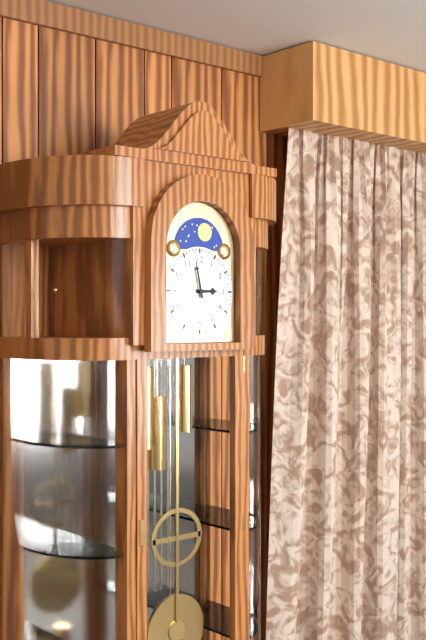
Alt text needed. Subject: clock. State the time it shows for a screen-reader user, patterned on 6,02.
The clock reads 2,58
